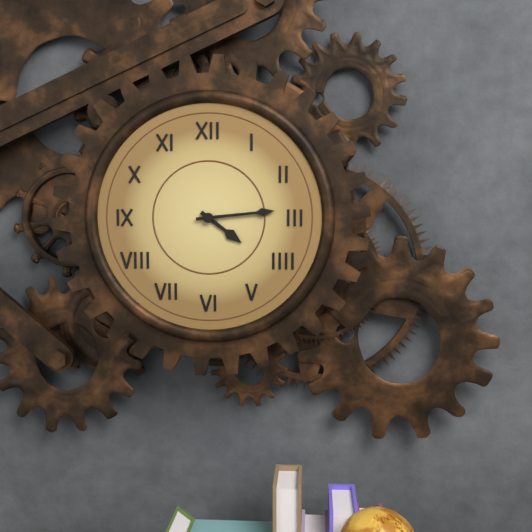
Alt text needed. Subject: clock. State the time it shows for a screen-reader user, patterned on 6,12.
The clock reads 4,14
